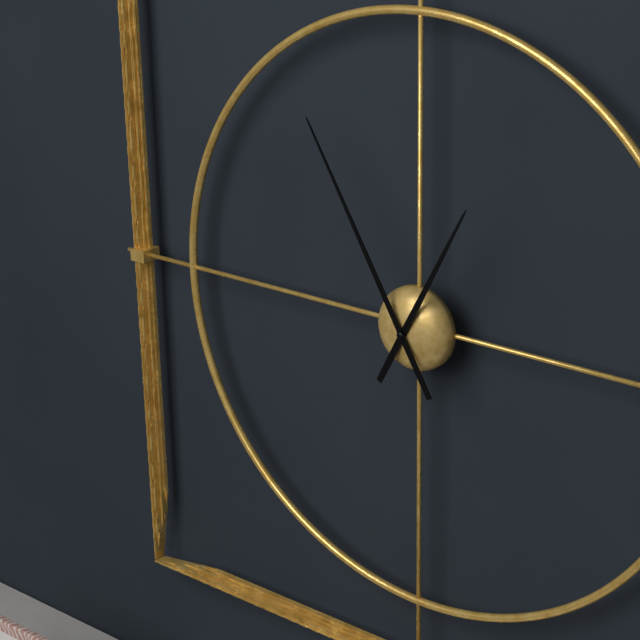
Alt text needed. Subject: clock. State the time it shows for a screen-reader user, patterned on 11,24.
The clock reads 12,55
